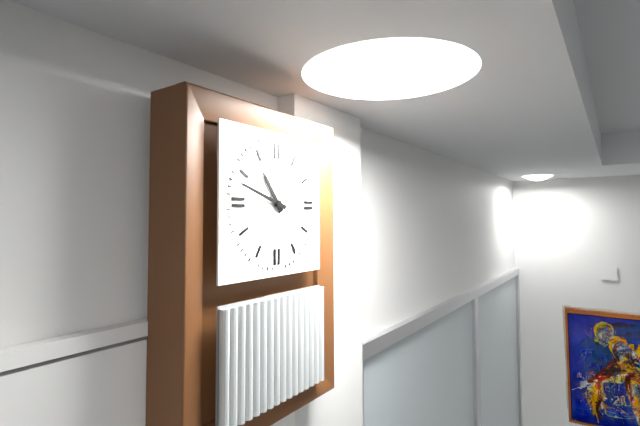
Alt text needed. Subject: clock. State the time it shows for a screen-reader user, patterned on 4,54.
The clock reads 10,48
